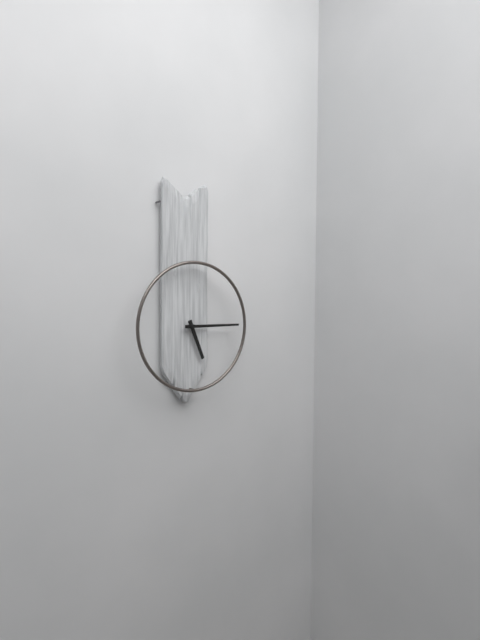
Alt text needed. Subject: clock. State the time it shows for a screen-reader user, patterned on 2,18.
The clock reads 5,15
